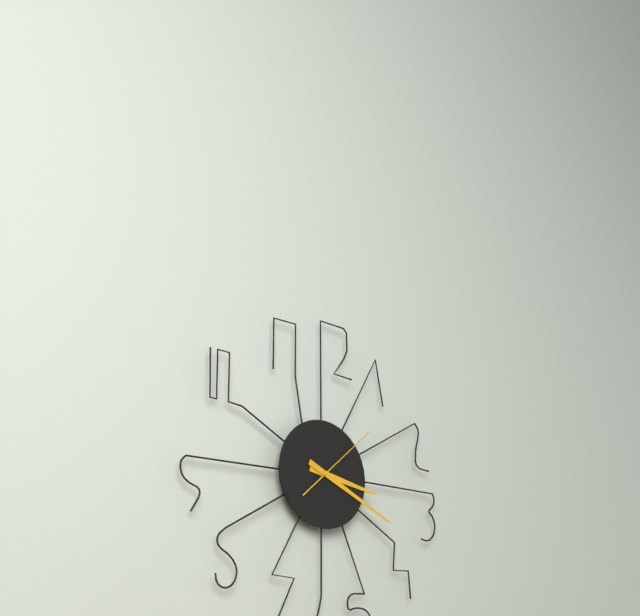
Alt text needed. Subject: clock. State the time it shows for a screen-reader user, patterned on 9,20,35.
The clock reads 3,19,08
